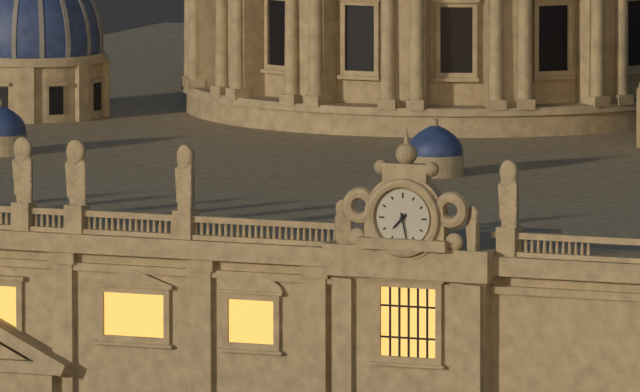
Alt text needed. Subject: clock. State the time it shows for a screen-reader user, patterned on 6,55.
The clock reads 7,28
